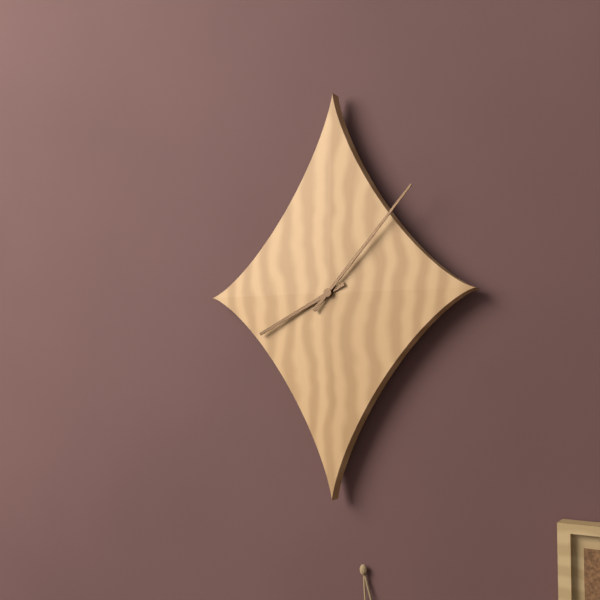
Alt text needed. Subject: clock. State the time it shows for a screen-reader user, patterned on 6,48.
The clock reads 8,07
